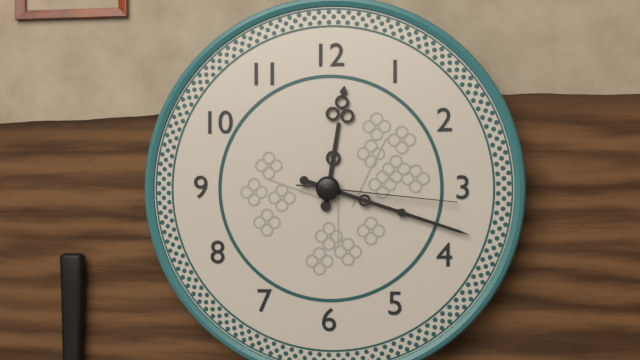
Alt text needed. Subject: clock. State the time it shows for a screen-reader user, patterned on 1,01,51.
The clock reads 12,18,16
